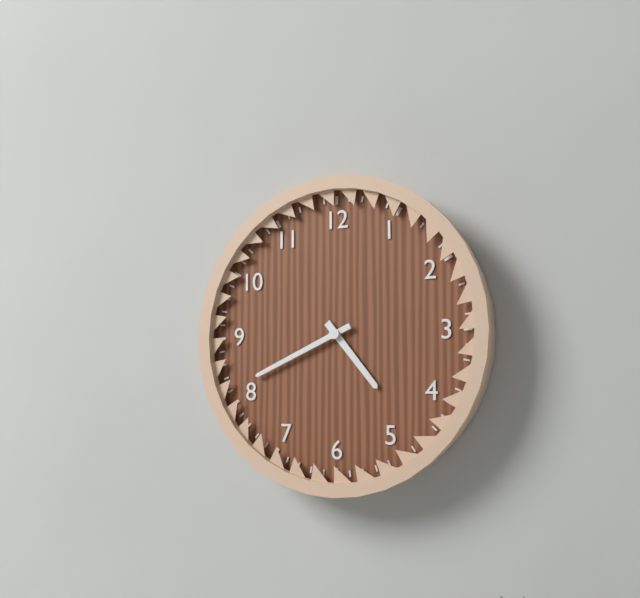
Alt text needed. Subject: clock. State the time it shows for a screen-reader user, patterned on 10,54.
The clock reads 4,41
